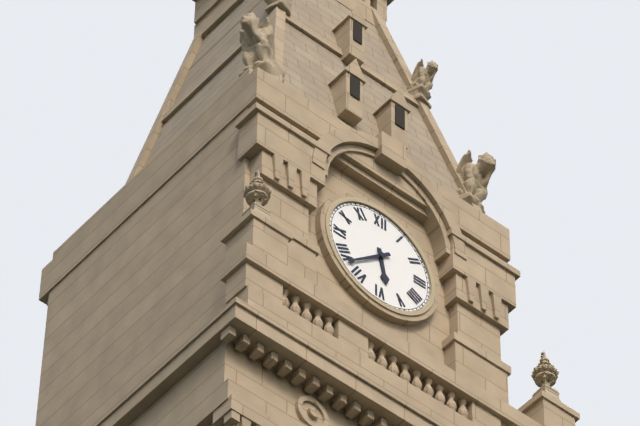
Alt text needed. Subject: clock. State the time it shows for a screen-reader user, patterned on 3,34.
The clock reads 5,38
